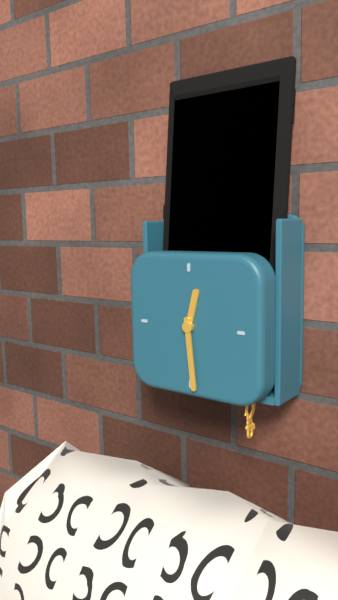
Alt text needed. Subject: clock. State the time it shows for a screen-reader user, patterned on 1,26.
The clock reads 12,29
